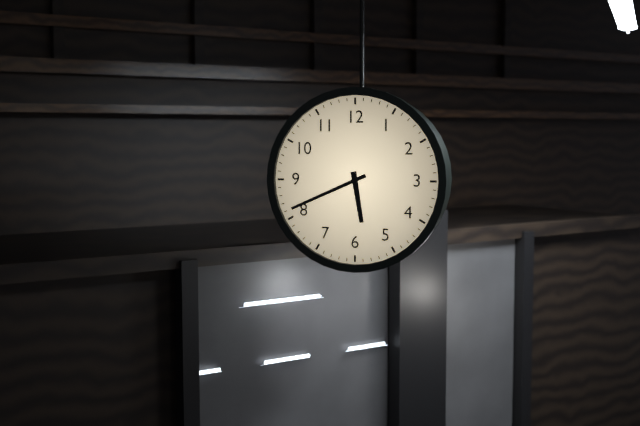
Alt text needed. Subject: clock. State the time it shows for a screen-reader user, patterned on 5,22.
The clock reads 5,41
